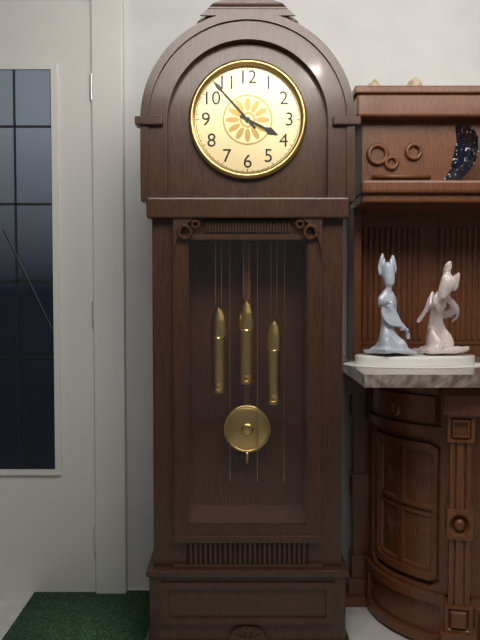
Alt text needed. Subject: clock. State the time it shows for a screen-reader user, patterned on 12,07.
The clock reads 3,53
